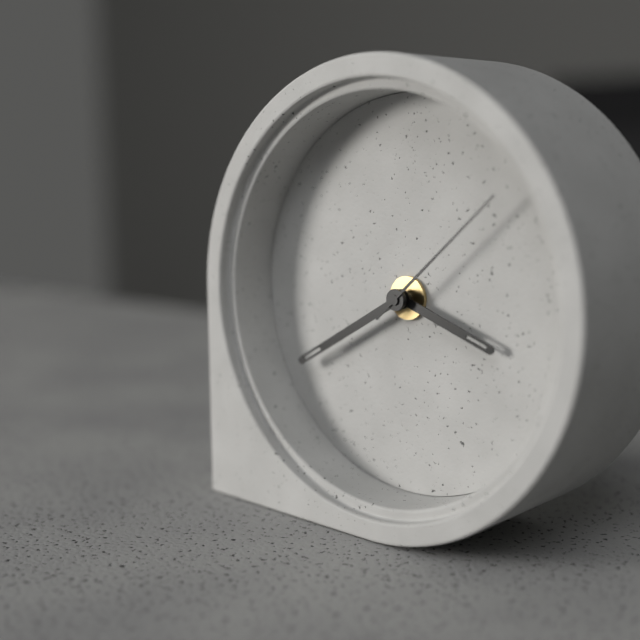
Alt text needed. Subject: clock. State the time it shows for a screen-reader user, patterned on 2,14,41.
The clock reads 3,40,08
